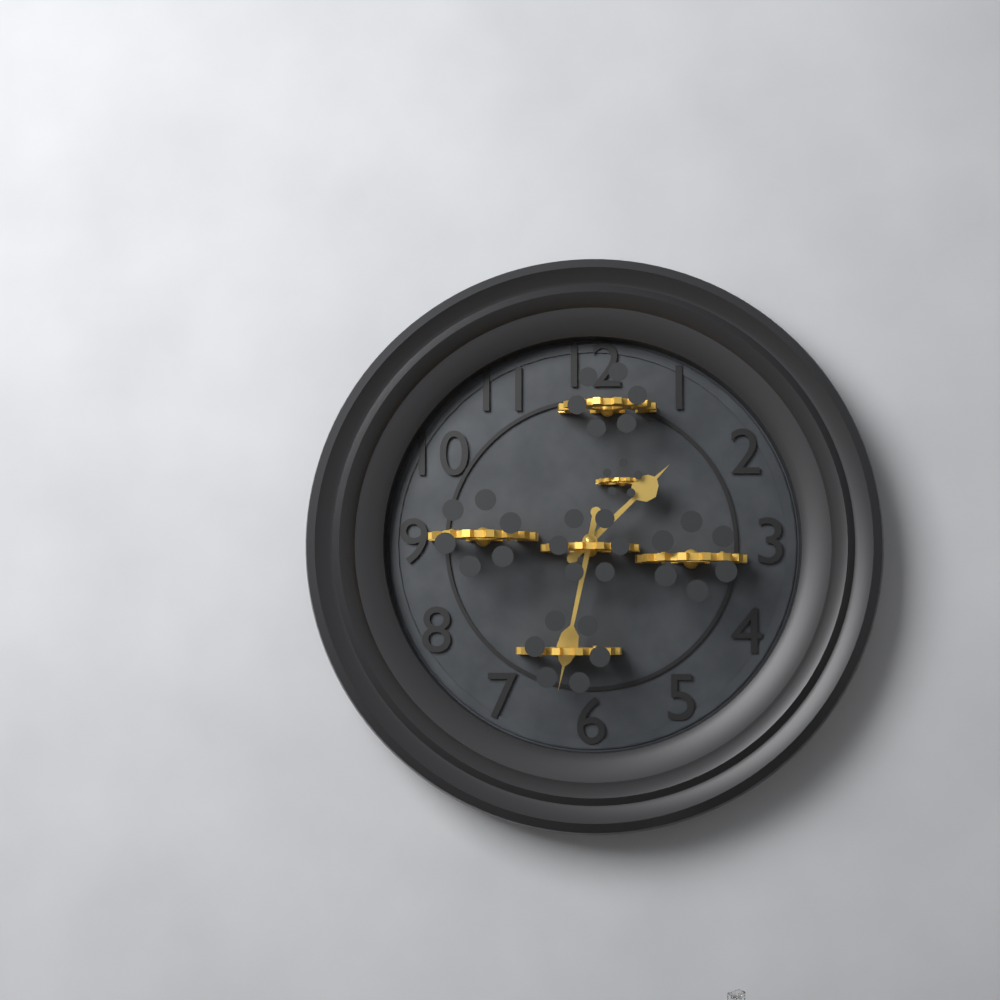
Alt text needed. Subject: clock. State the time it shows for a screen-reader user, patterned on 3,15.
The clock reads 1,32
